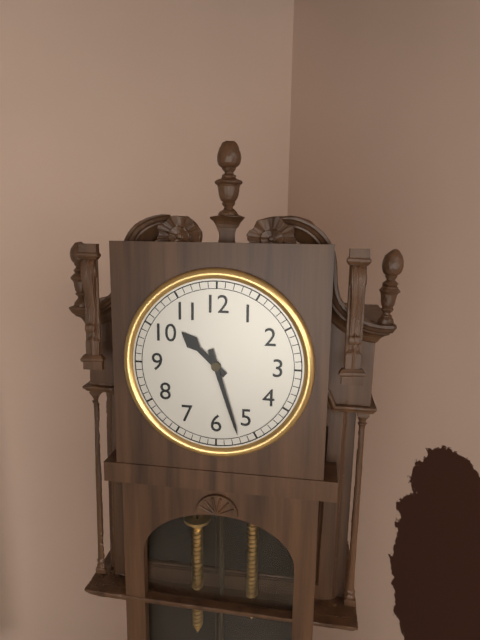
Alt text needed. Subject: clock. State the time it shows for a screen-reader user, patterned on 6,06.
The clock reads 10,27
